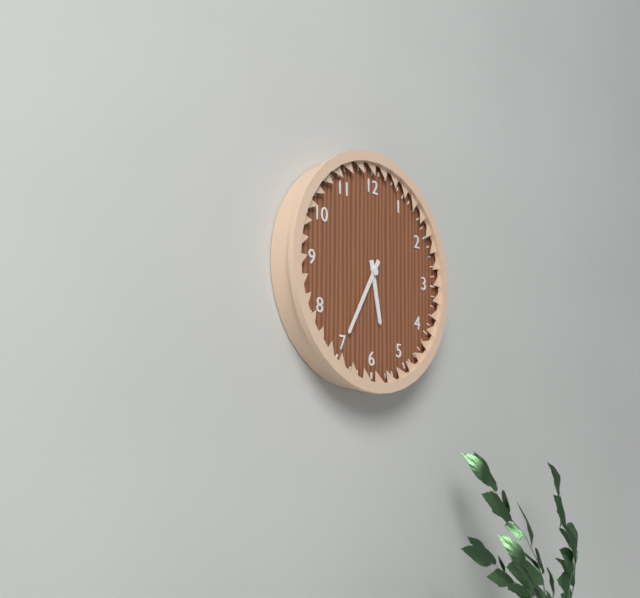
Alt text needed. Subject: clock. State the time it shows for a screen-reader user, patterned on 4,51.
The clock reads 5,35
